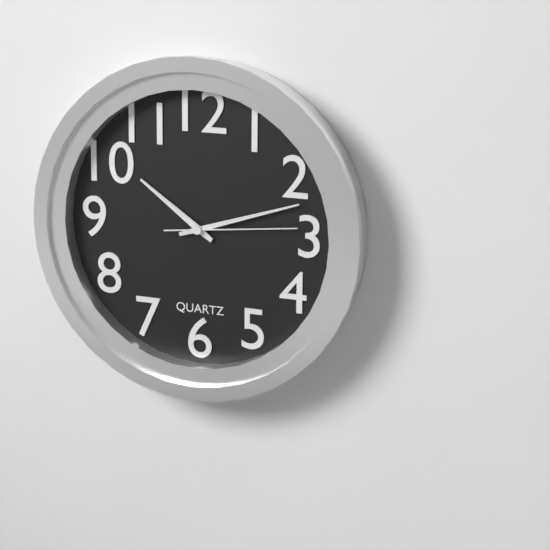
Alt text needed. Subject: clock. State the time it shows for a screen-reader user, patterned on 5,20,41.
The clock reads 10,12,14
